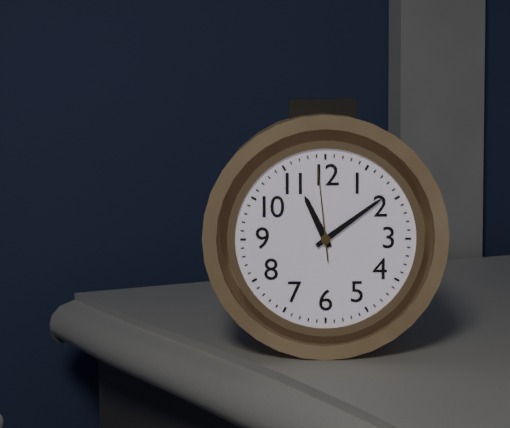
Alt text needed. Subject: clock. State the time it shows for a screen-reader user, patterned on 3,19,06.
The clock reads 11,09,59
